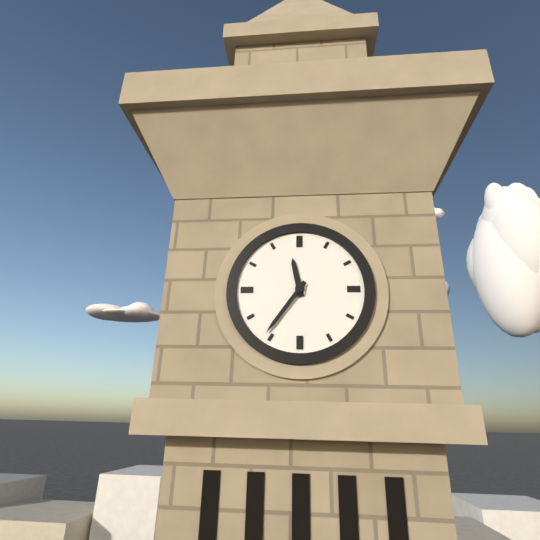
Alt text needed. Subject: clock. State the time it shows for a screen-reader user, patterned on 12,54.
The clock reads 11,36
